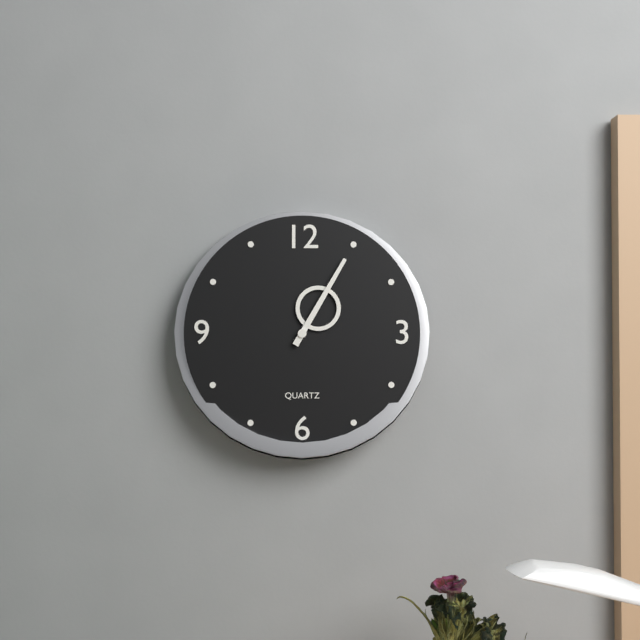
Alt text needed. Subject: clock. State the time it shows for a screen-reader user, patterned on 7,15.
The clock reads 1,05
